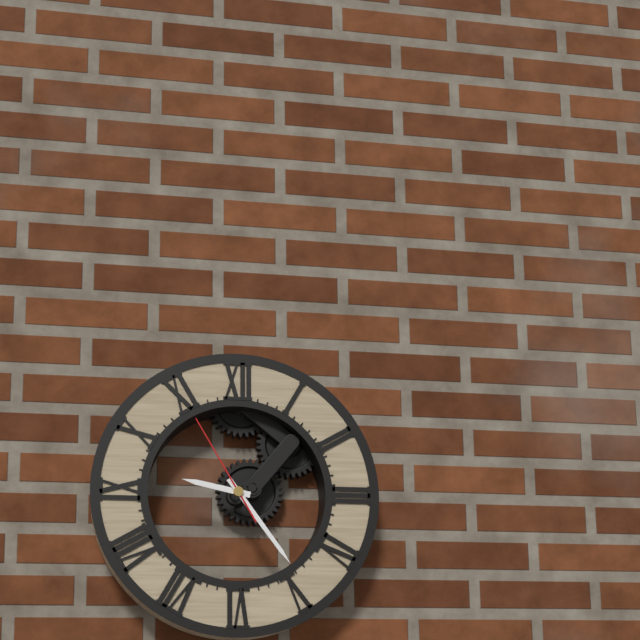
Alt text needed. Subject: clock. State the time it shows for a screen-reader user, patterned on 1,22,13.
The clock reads 9,24,55
